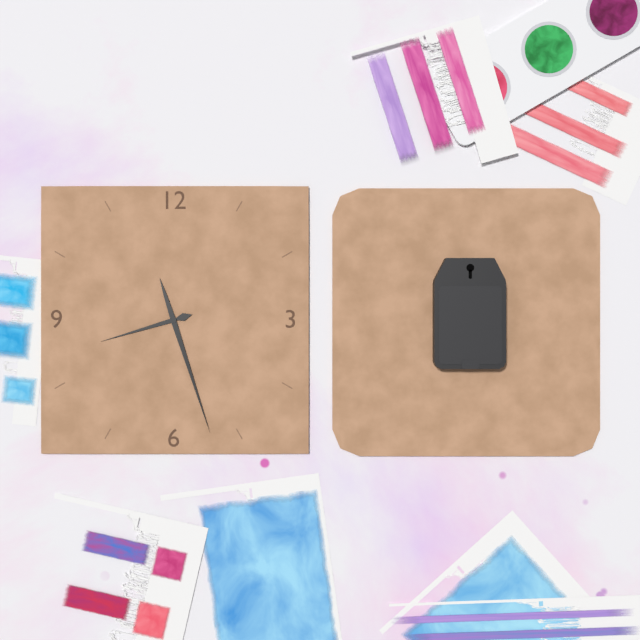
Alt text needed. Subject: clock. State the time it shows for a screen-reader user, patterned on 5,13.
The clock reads 8,27
